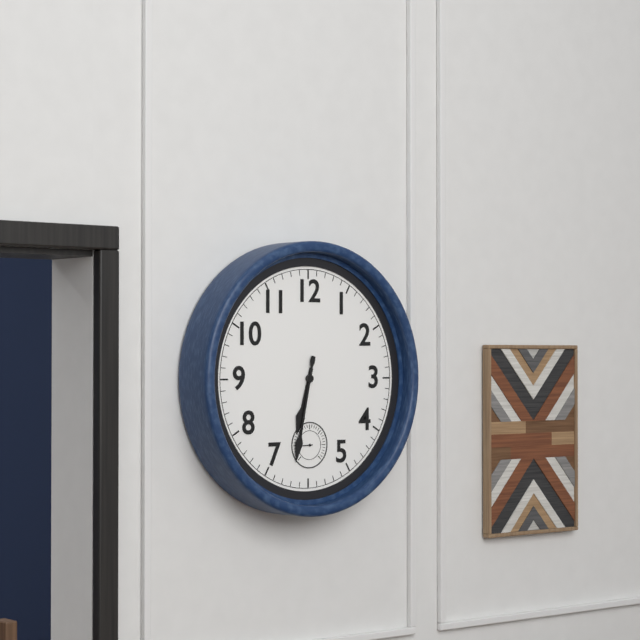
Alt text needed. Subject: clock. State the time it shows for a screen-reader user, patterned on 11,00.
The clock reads 6,32
